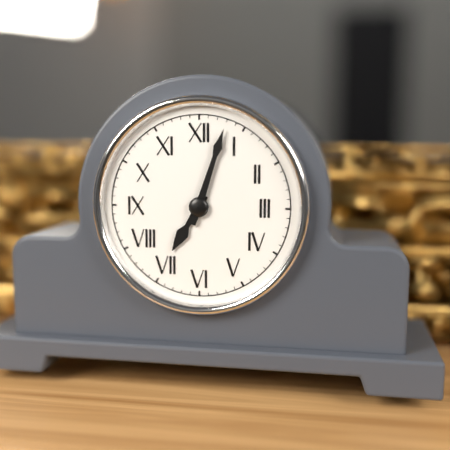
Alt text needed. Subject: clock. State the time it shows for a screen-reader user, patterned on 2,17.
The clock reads 7,03
